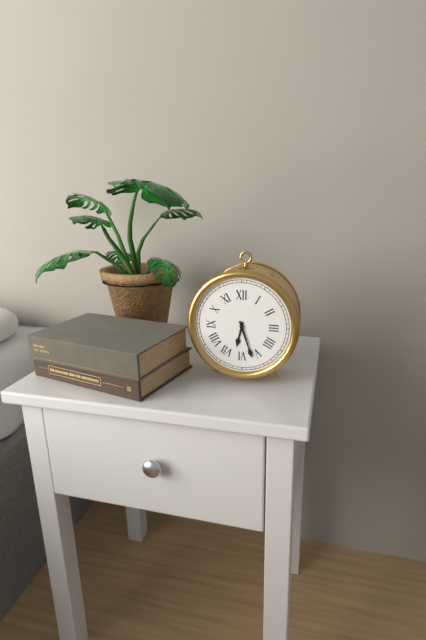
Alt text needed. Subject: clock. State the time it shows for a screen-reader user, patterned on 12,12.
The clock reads 6,27
